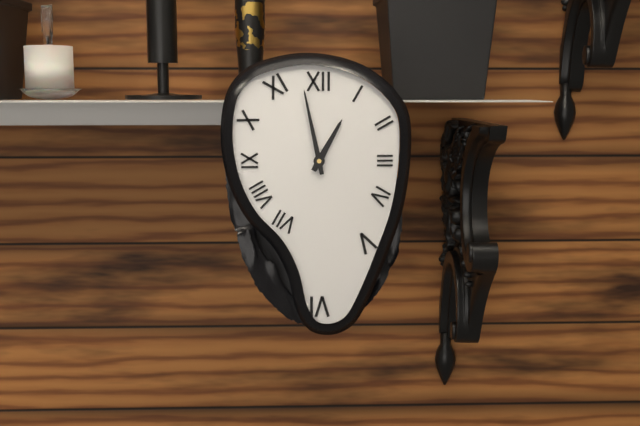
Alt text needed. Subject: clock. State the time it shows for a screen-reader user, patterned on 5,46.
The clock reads 12,58
